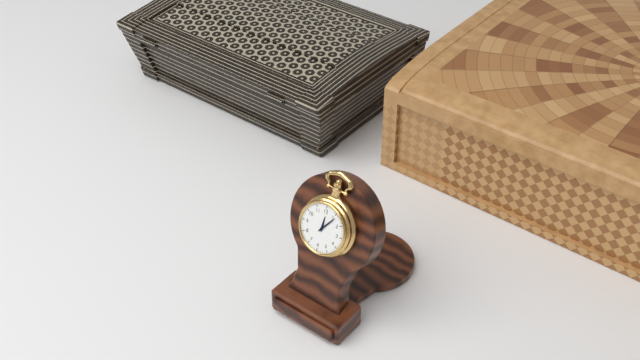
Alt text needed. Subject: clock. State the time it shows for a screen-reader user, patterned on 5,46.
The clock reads 12,06
